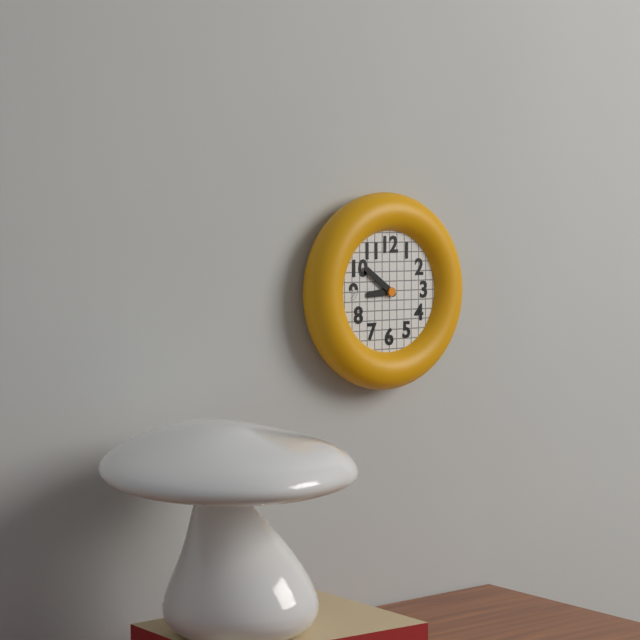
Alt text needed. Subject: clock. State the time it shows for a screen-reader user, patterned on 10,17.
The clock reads 8,51
